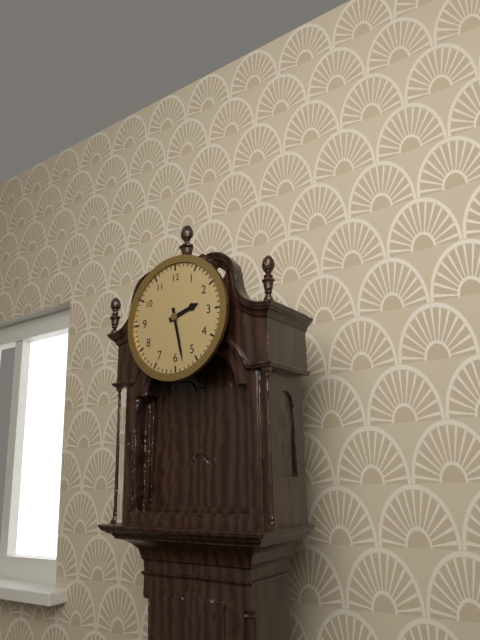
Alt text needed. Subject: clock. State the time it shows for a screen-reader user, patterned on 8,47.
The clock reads 2,28
